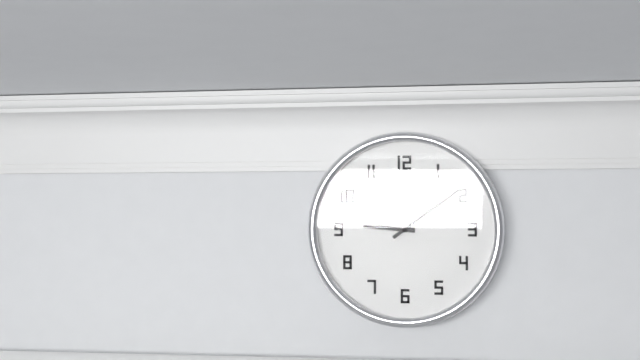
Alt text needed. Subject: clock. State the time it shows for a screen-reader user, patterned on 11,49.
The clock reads 9,09
